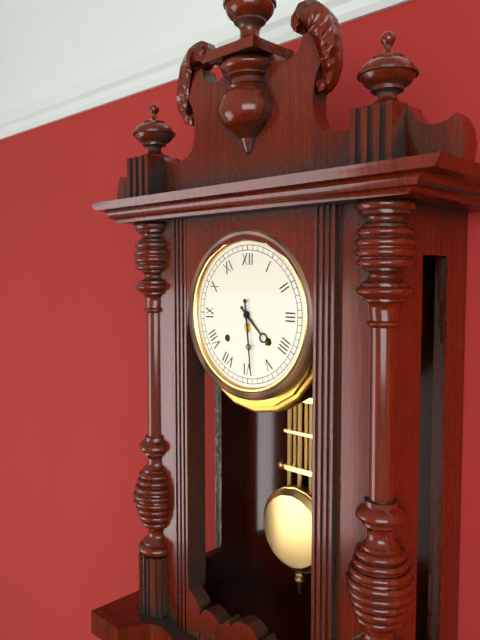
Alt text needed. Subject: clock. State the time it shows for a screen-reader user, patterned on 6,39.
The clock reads 4,29
